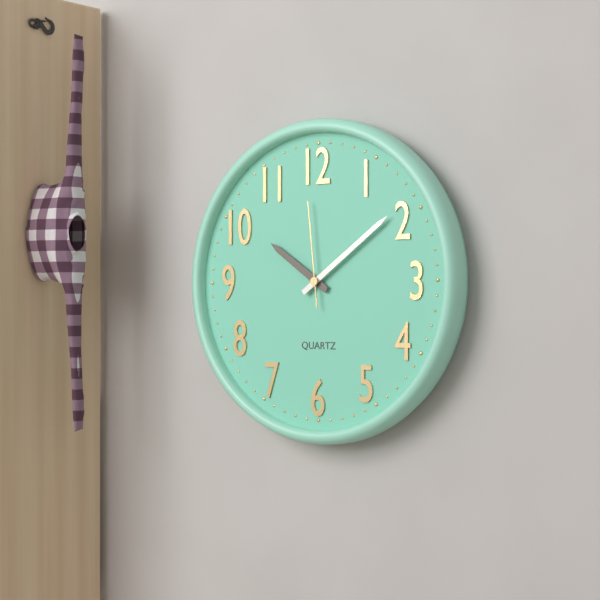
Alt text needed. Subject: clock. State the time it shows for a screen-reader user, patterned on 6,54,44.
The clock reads 10,09,59
